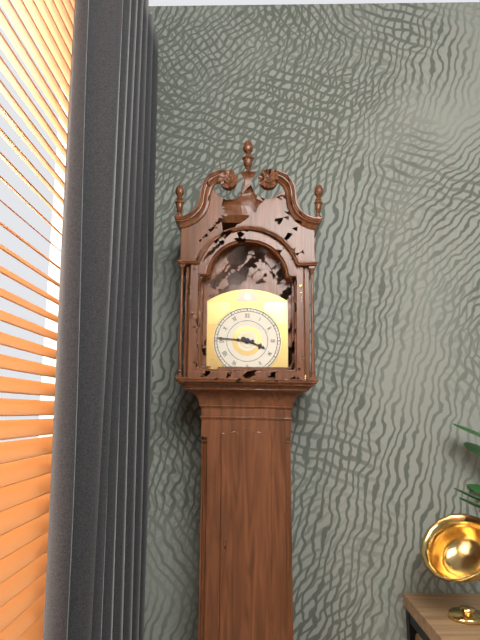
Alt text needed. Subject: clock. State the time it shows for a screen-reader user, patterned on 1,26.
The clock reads 3,46
